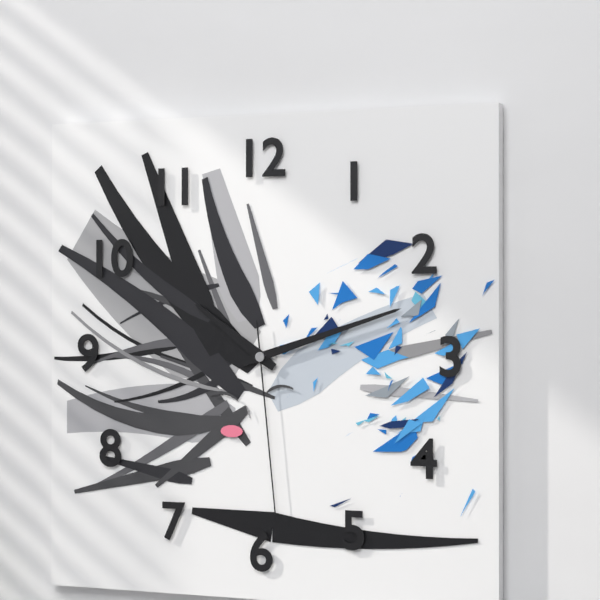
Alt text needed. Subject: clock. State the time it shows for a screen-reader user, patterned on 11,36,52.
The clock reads 10,12,29
